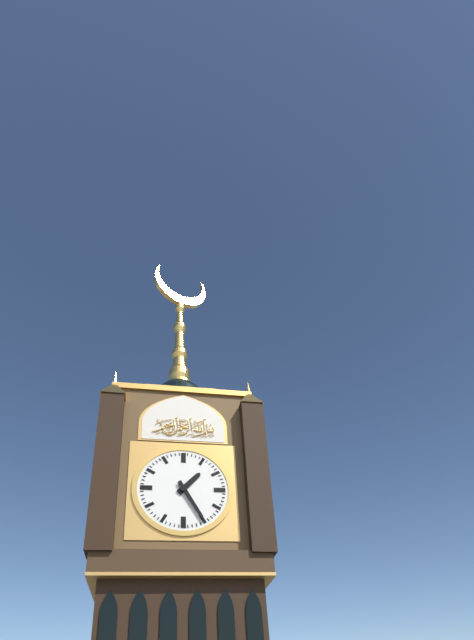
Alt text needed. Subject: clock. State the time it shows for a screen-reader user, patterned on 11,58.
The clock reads 1,25
